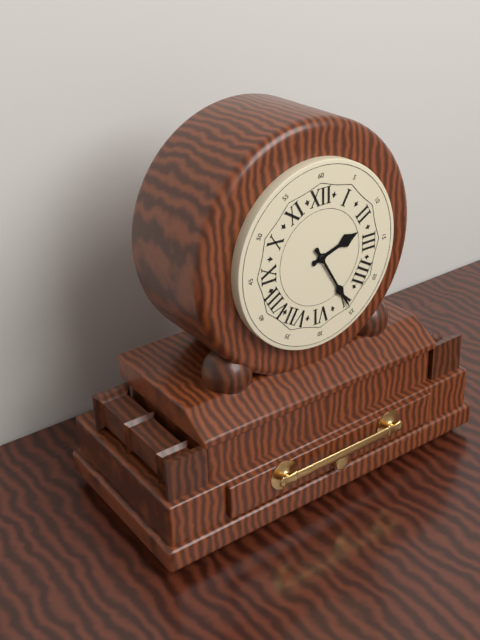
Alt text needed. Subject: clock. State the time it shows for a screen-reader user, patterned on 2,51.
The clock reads 2,25
